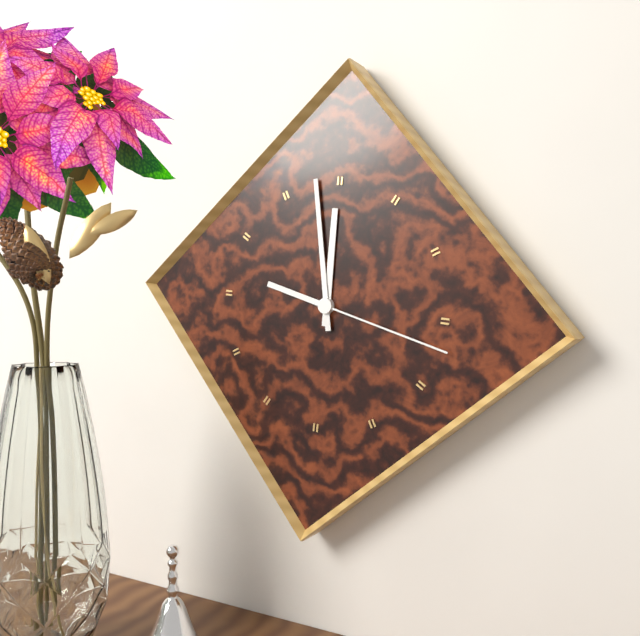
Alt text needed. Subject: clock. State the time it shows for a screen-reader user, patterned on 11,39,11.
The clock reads 11,58,17
